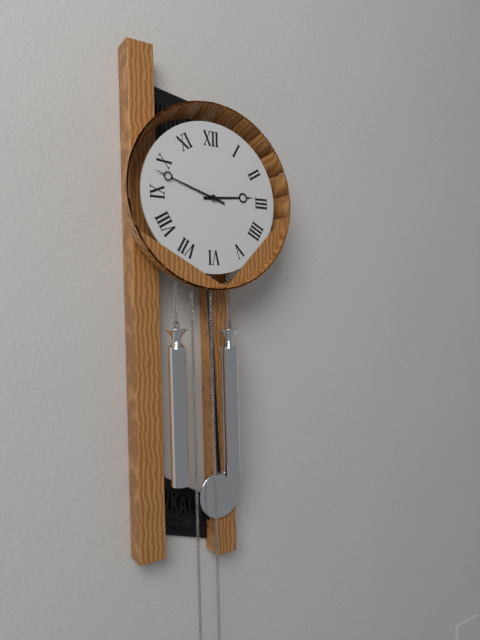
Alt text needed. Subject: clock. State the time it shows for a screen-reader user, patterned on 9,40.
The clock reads 2,48
